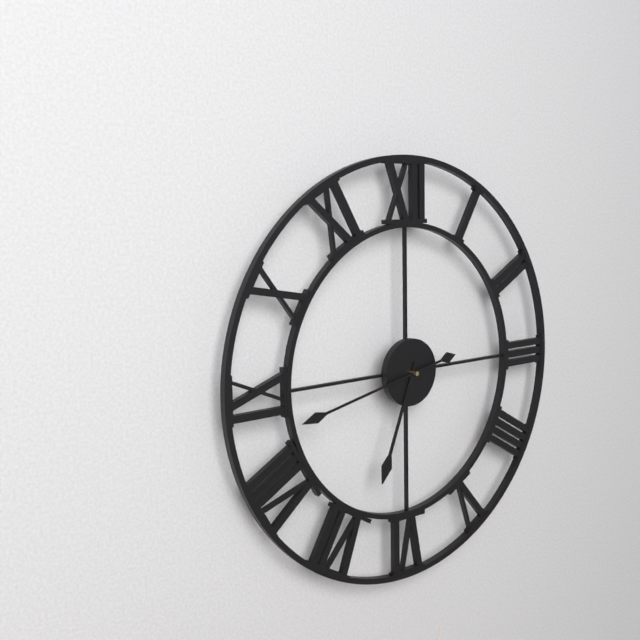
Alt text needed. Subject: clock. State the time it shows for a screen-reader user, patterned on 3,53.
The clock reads 6,43
